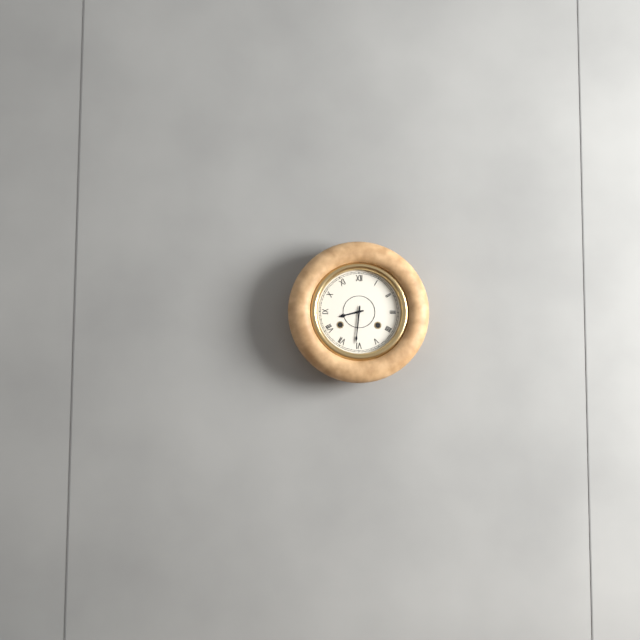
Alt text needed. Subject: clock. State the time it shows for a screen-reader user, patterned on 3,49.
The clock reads 8,31
